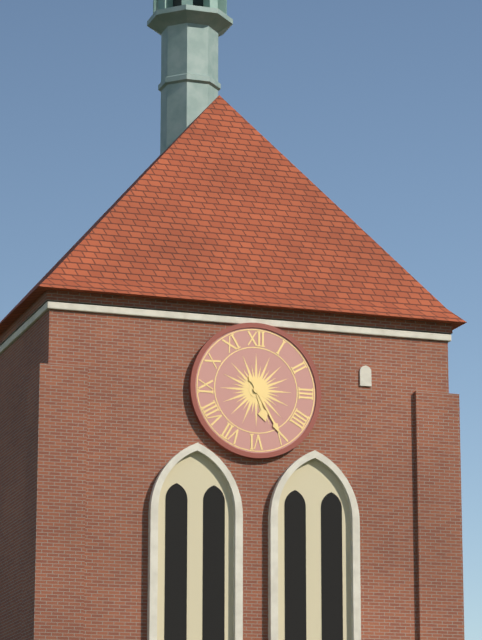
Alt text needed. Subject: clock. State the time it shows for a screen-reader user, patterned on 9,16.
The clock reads 5,25
